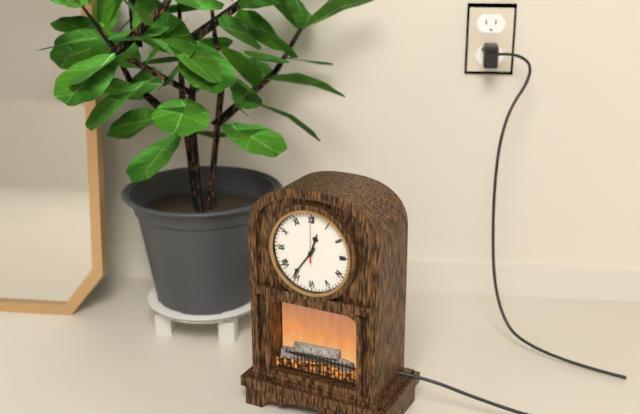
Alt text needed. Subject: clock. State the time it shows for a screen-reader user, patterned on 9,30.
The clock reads 12,36
